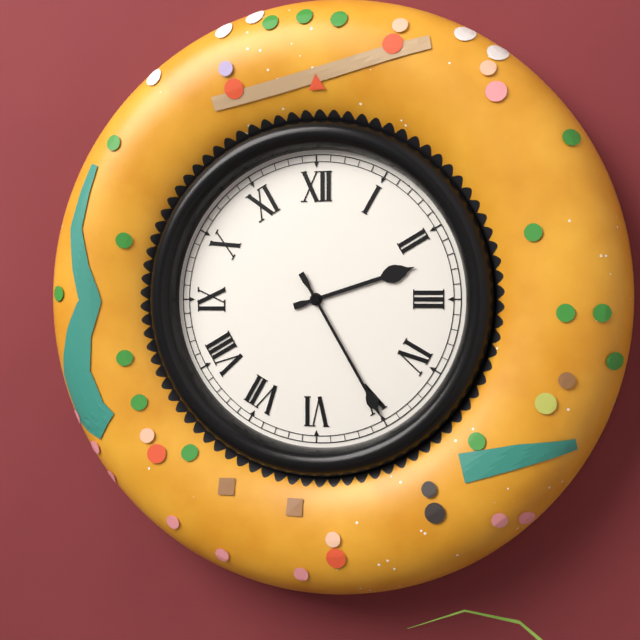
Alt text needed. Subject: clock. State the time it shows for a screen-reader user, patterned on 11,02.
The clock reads 2,25
